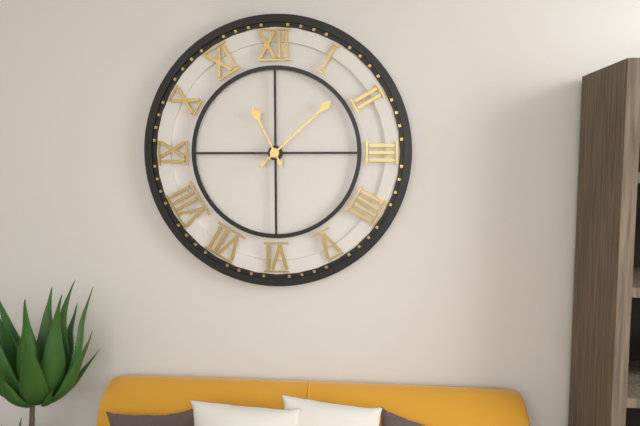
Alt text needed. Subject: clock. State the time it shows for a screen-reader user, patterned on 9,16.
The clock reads 11,08
